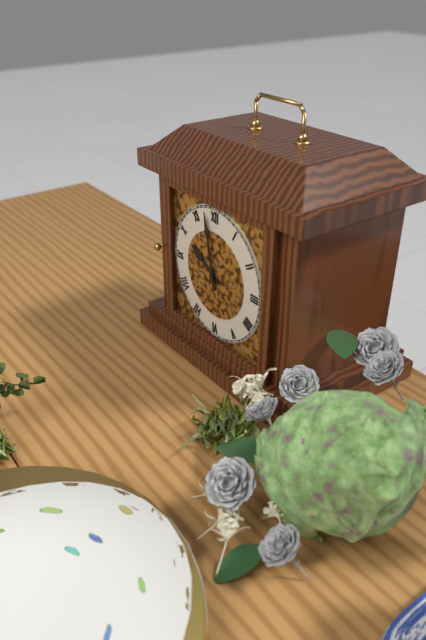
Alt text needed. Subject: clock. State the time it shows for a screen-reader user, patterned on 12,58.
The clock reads 9,58
